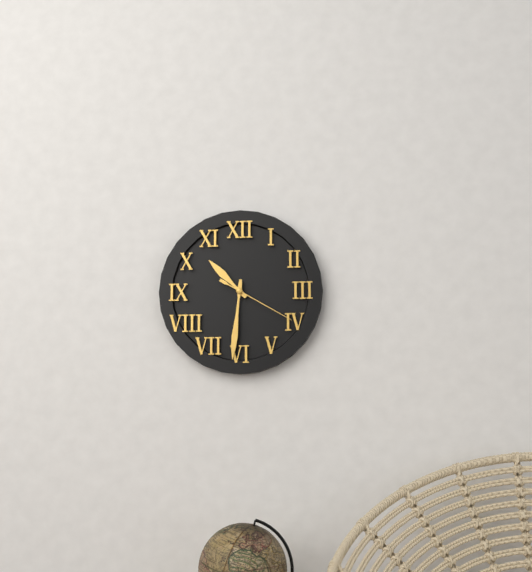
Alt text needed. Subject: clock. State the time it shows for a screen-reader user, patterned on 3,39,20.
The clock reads 10,31,20
